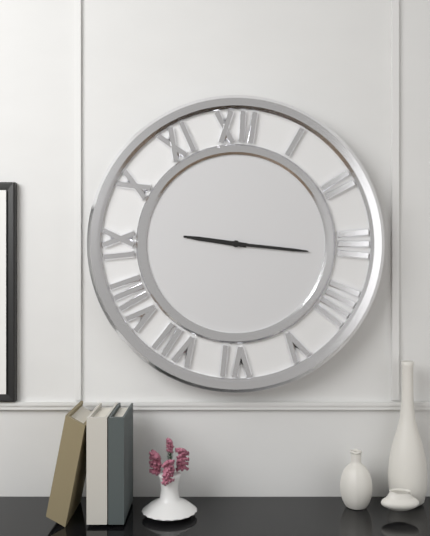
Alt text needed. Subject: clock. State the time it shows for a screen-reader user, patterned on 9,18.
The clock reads 9,16
